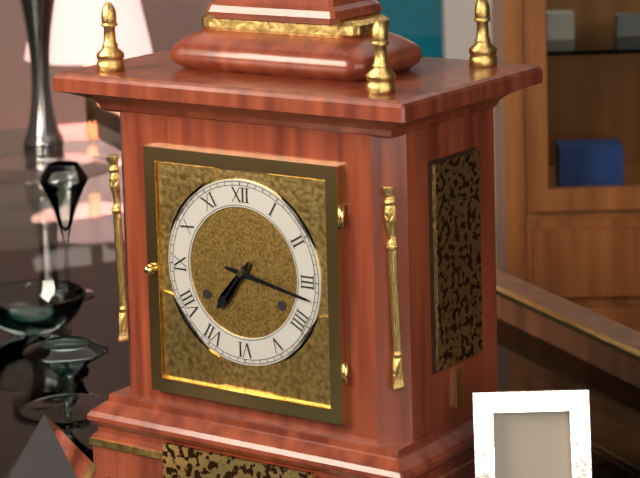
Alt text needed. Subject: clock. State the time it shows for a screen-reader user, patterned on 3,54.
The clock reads 7,17
